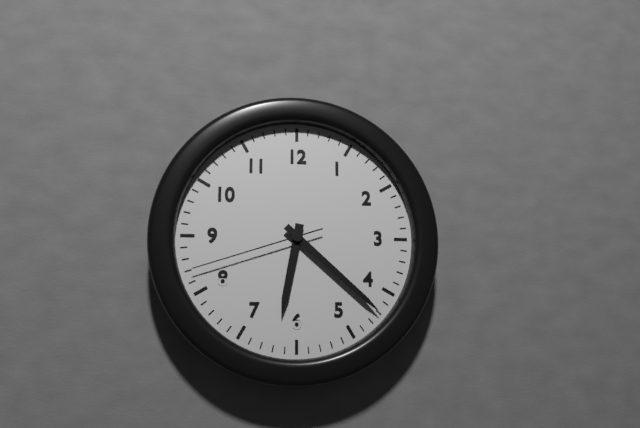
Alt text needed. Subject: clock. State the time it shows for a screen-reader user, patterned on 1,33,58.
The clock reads 6,22,42
